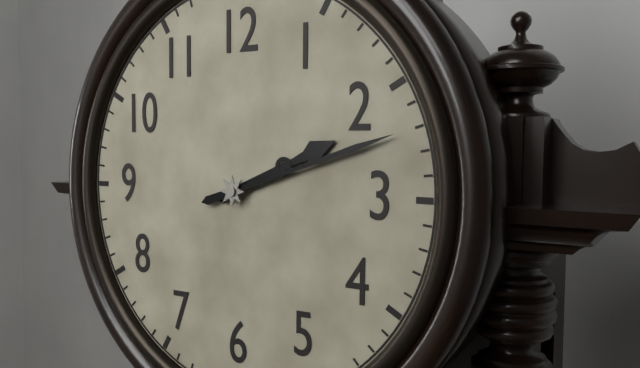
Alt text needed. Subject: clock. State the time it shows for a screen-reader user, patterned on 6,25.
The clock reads 2,12
